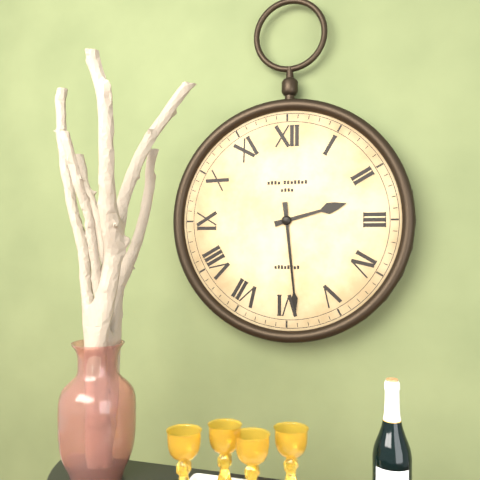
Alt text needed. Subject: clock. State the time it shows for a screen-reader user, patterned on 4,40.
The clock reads 2,29
